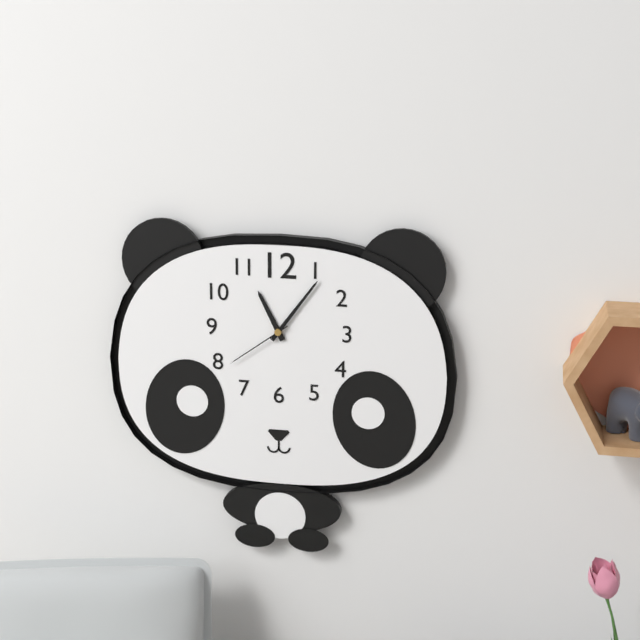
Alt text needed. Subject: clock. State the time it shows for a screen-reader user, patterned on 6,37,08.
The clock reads 11,06,39
